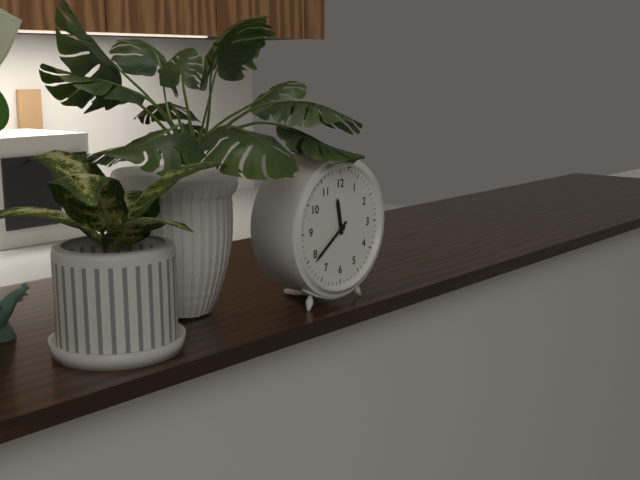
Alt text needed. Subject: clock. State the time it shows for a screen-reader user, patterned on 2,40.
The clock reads 11,39
